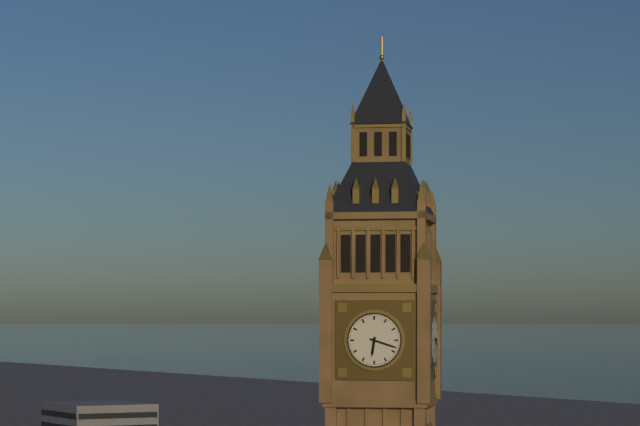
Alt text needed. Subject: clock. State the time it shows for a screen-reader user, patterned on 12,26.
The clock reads 6,18
